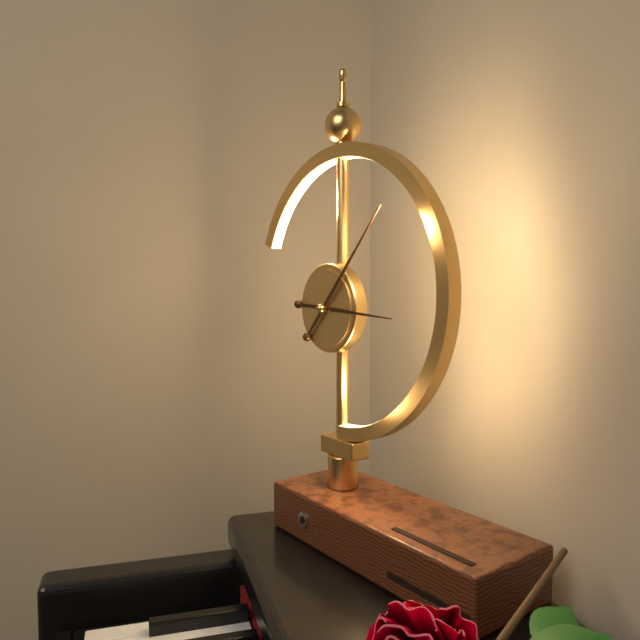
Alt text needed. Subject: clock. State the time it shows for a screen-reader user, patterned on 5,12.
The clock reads 3,07
